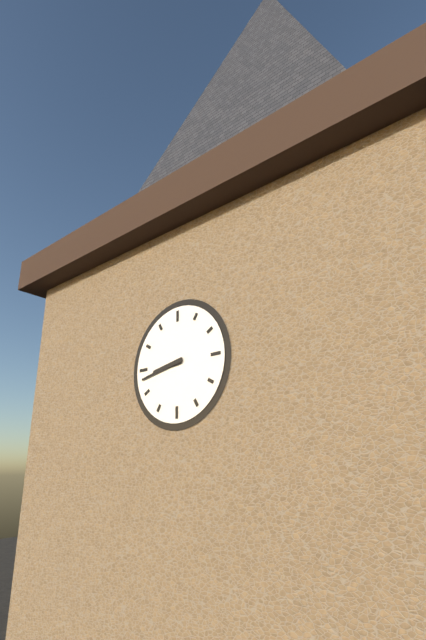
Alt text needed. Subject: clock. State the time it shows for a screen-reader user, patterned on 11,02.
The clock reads 8,43
